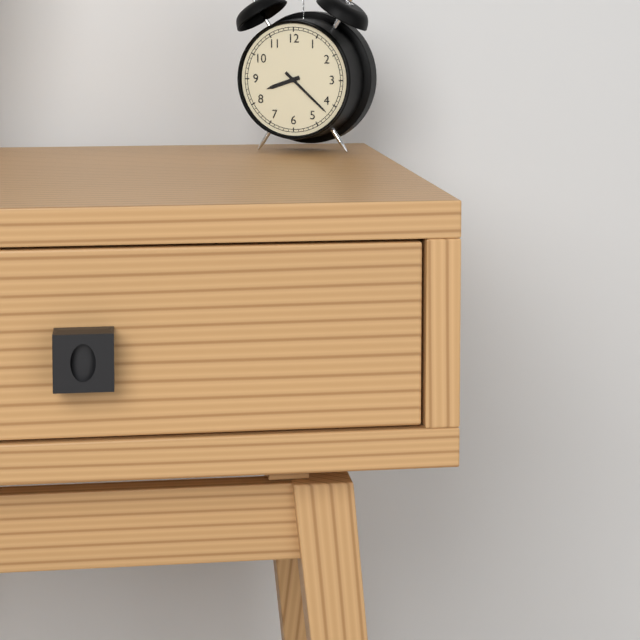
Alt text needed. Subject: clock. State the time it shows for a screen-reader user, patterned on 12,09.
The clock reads 8,22
